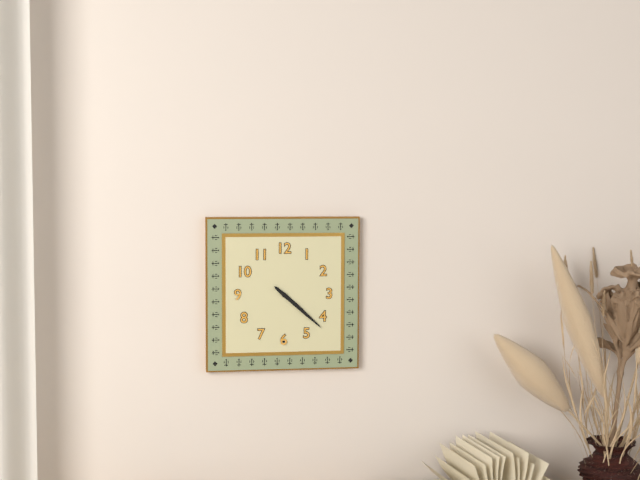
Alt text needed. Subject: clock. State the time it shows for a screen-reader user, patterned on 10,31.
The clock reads 4,22
